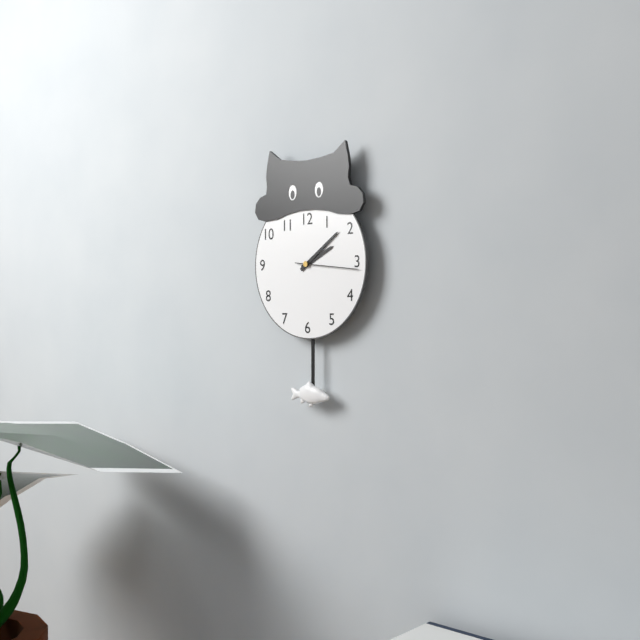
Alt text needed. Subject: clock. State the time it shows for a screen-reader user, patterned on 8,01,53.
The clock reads 2,09,16
